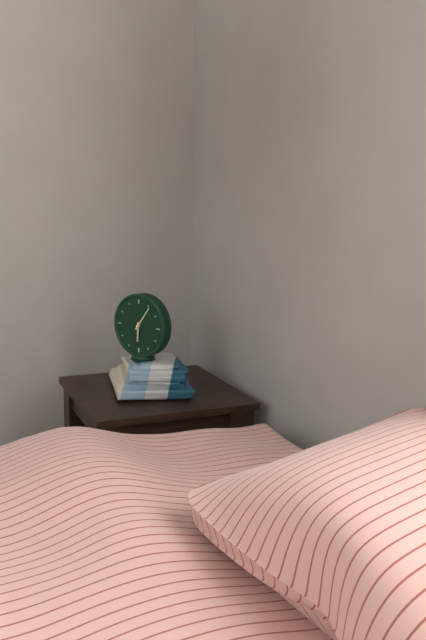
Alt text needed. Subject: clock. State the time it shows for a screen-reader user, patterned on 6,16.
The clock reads 6,06
